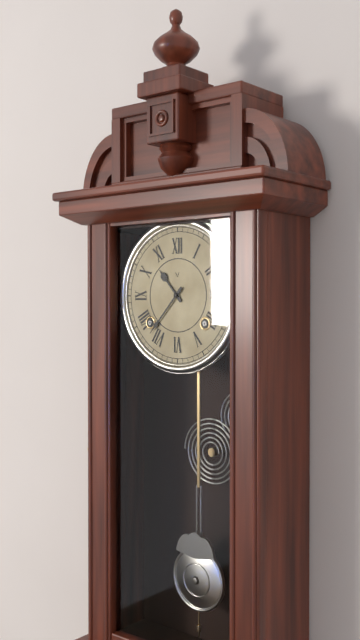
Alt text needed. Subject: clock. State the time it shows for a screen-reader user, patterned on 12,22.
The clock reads 10,37
